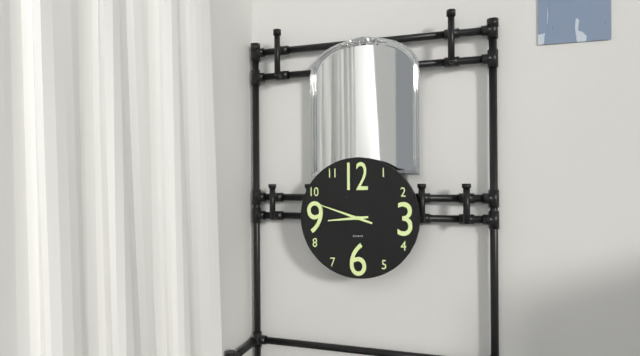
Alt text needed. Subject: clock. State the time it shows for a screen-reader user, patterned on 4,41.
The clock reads 8,48
